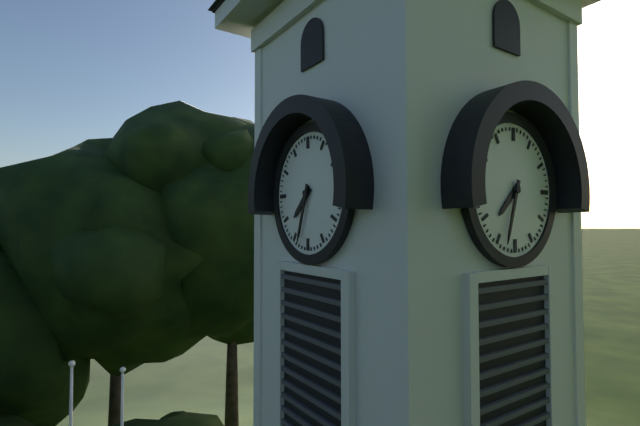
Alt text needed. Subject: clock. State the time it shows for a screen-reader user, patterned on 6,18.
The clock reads 7,33
